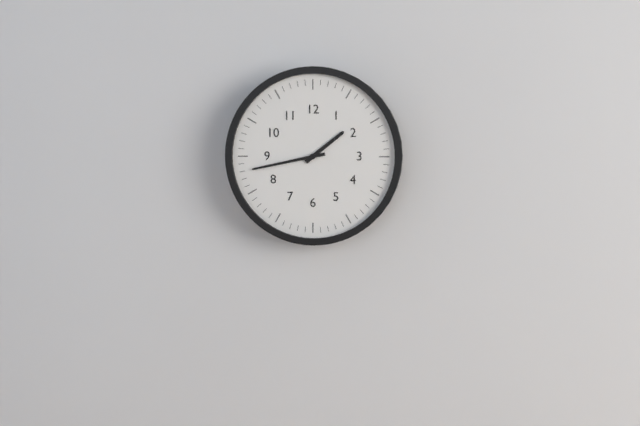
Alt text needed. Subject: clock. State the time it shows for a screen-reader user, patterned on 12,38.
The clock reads 1,43
